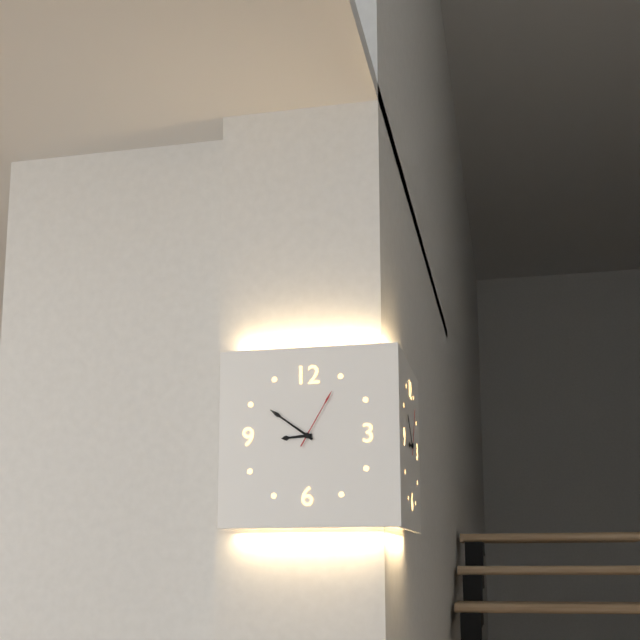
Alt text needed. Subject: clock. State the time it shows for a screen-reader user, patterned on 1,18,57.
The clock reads 8,51,05
